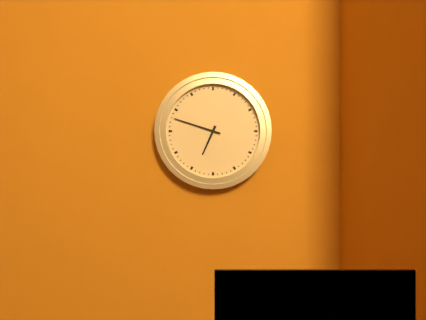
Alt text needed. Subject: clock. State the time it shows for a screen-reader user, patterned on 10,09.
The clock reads 6,48
